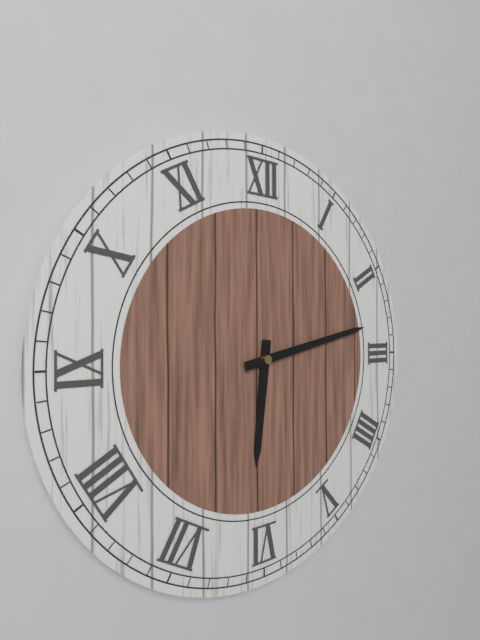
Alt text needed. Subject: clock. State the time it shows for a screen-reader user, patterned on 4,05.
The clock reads 6,13
